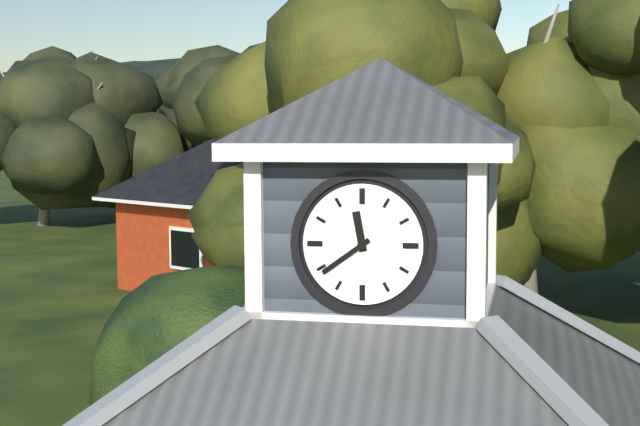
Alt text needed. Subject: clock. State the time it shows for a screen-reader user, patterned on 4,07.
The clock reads 11,39
